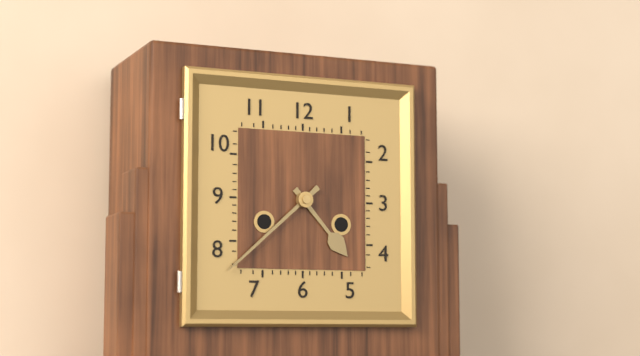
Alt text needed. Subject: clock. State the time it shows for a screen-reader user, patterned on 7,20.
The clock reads 4,38
